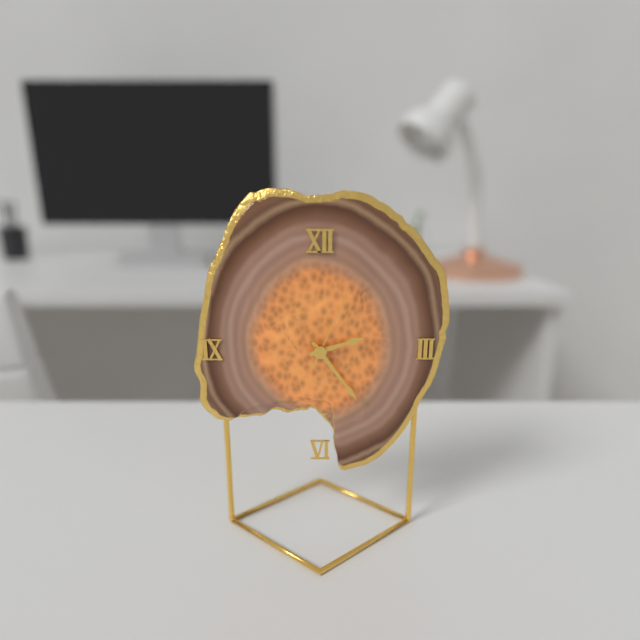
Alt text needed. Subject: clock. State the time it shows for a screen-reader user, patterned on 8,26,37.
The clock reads 2,24,04
